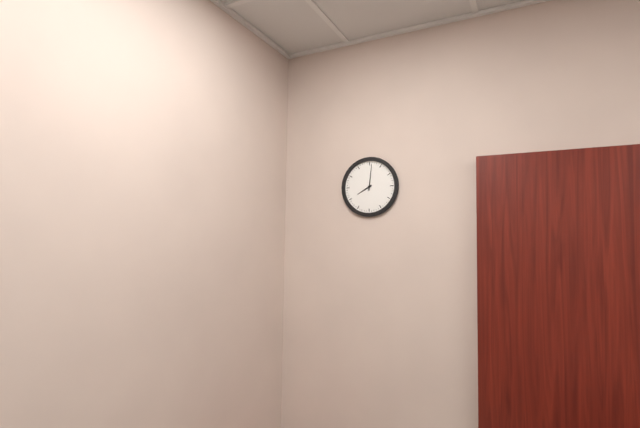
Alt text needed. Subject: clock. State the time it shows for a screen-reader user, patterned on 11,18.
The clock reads 8,01
